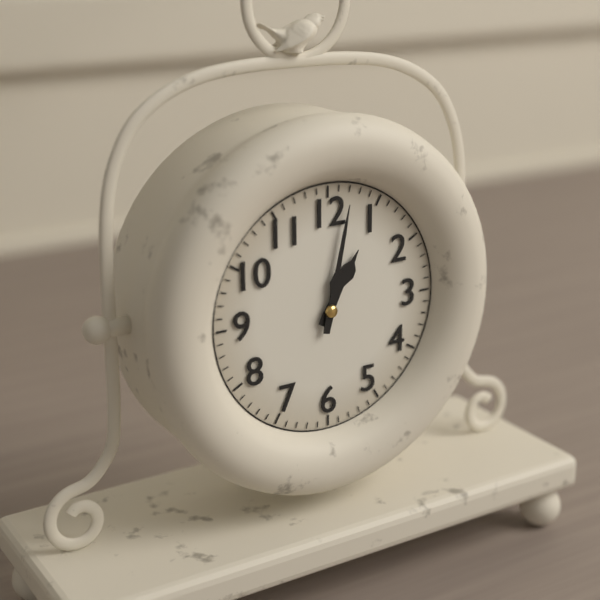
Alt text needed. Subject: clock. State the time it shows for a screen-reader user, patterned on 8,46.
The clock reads 1,02
